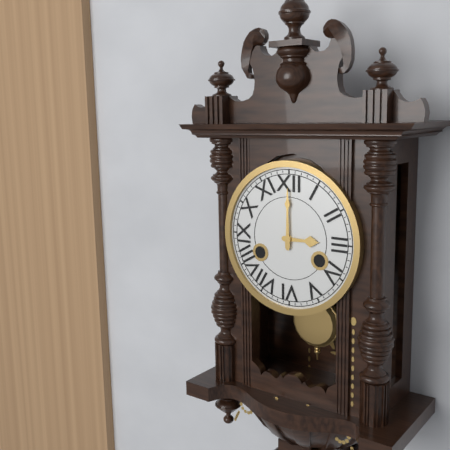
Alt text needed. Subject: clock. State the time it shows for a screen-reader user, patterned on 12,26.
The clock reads 3,00
